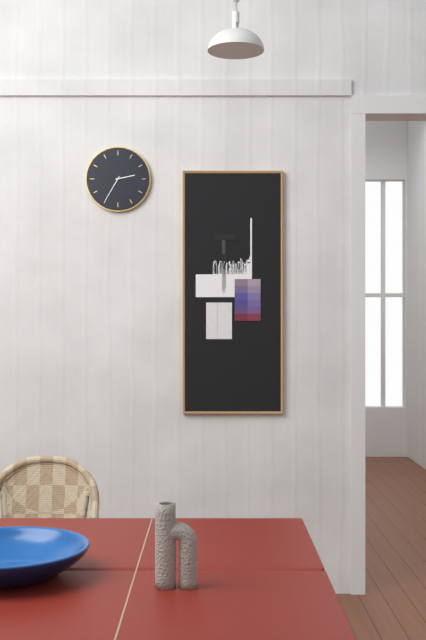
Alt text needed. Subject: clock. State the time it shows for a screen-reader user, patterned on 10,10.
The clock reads 2,35
